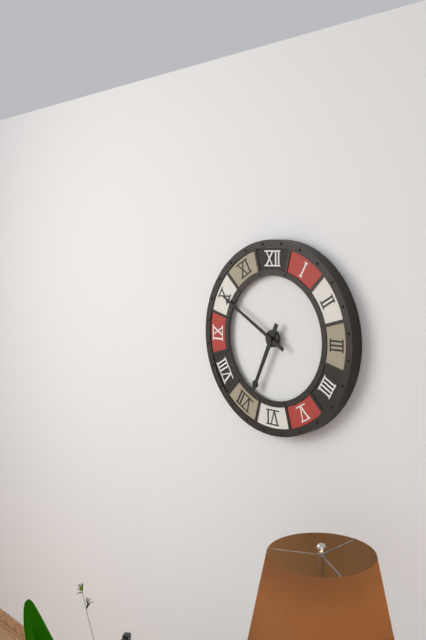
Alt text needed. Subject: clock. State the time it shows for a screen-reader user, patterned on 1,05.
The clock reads 6,50
